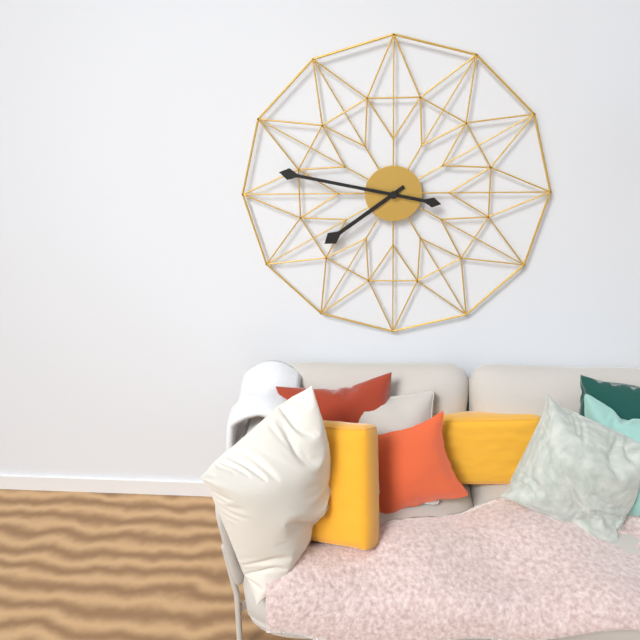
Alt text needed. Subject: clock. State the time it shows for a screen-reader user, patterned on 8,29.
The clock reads 7,47
